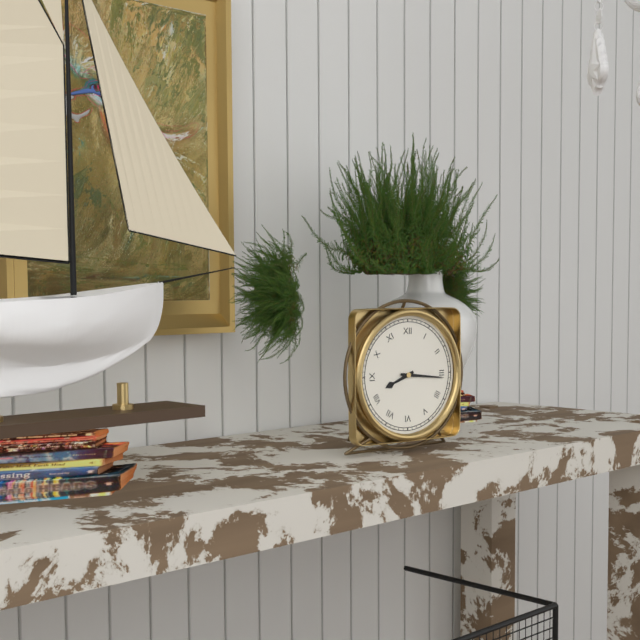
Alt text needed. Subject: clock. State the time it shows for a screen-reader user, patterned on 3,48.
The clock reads 8,16
